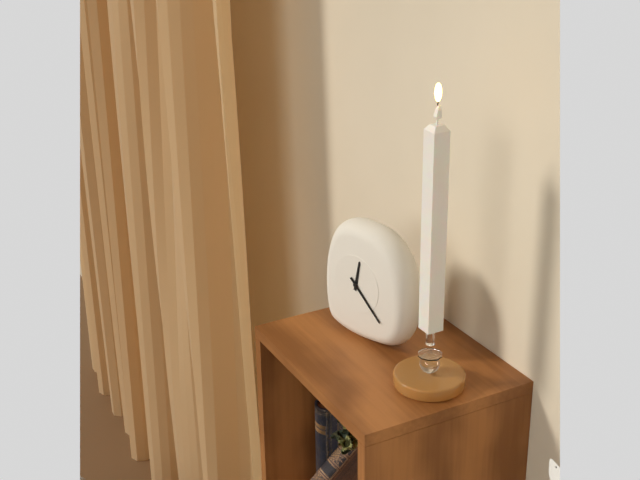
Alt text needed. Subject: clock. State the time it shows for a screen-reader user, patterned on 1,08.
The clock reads 12,22
